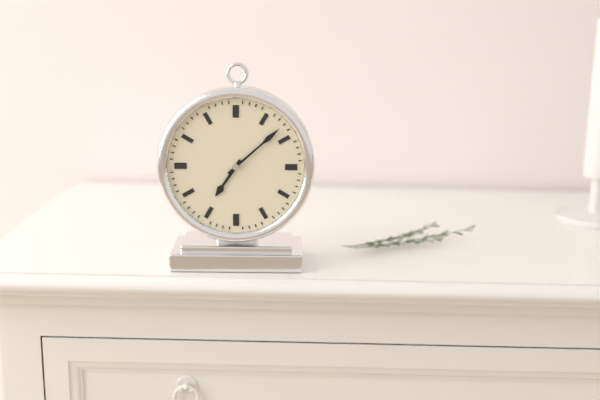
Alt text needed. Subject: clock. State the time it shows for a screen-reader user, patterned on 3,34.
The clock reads 7,08
